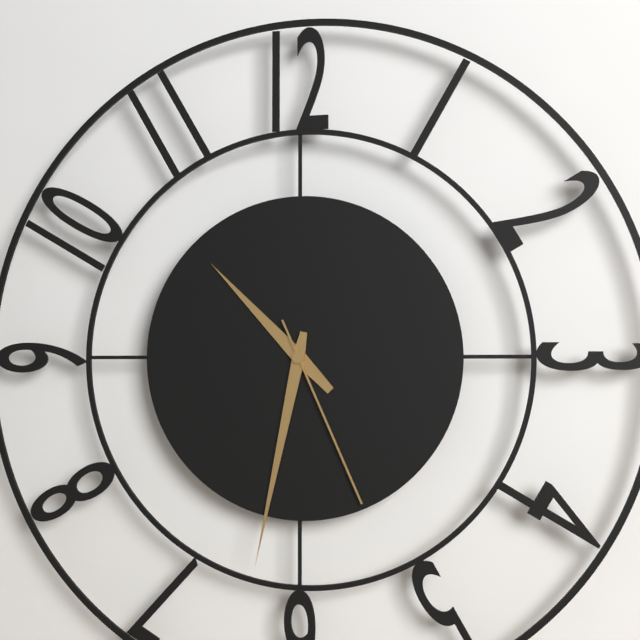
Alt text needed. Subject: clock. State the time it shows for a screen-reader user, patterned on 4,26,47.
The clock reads 10,32,26
